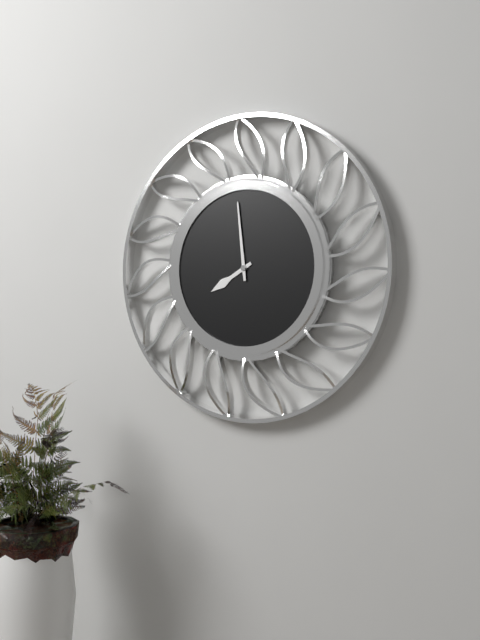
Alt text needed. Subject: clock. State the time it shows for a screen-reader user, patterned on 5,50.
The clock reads 7,59
